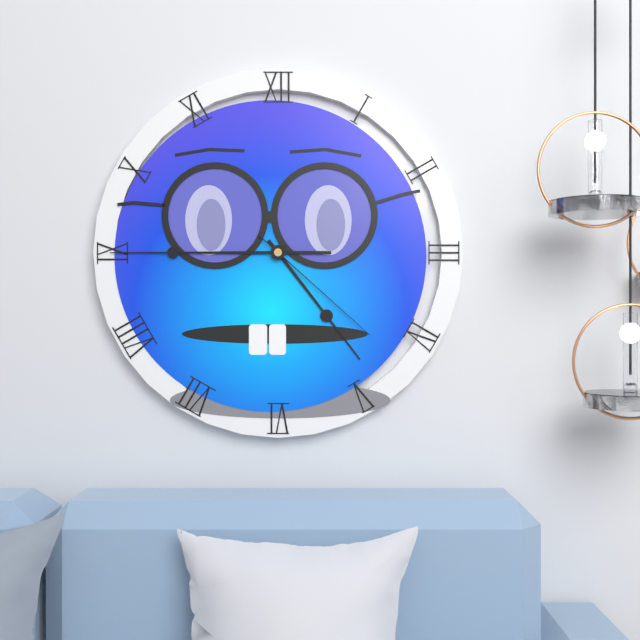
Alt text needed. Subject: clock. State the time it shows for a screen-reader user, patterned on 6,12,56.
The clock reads 4,45,22
